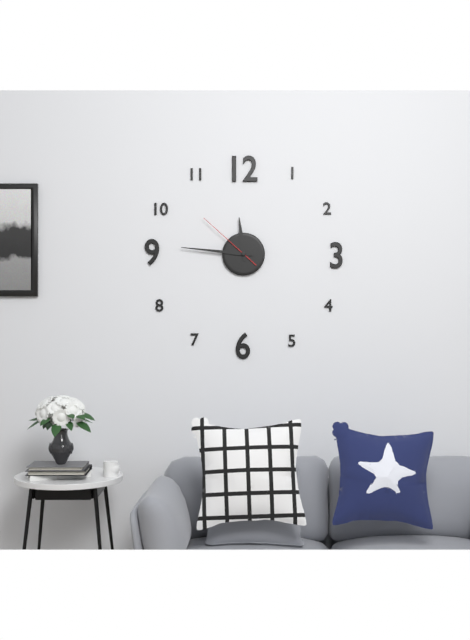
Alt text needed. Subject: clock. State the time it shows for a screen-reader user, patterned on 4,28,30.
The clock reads 11,46,52
